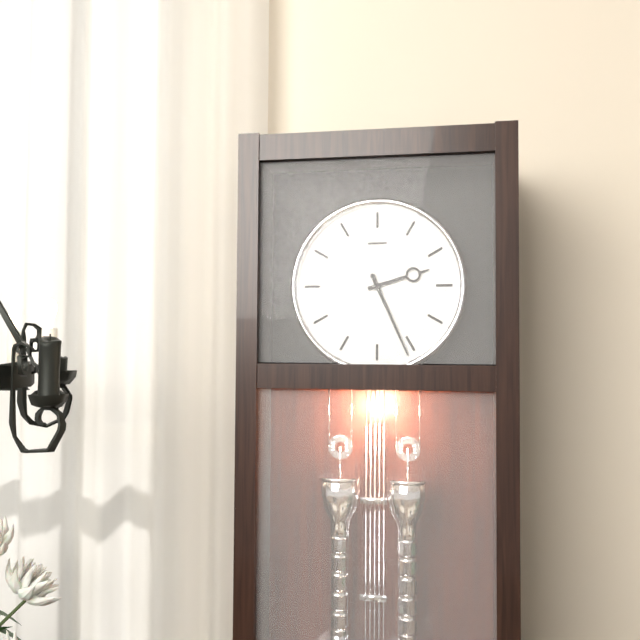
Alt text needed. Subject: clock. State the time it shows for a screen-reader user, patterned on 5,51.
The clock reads 2,26
